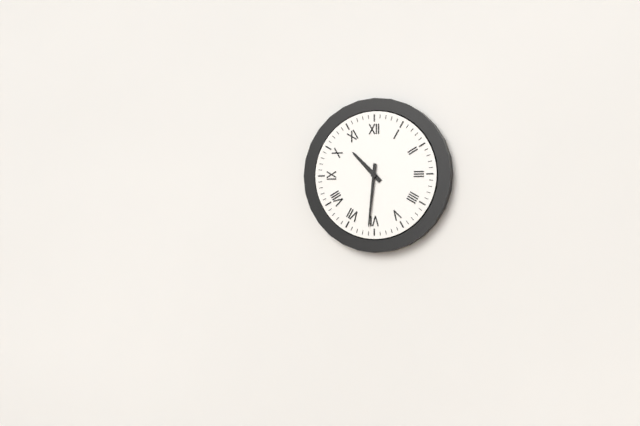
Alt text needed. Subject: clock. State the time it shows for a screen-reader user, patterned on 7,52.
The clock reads 10,31
